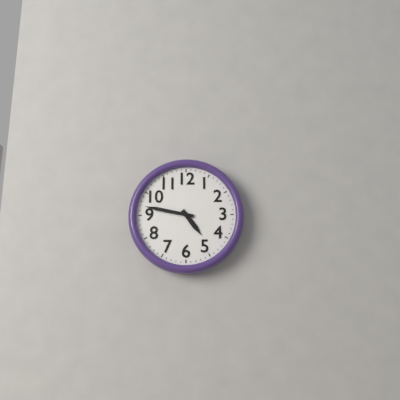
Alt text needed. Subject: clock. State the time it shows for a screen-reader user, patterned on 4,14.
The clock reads 4,47
